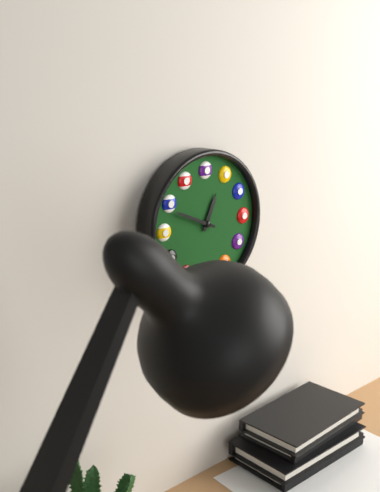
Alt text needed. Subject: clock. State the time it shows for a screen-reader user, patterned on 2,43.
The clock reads 12,49
